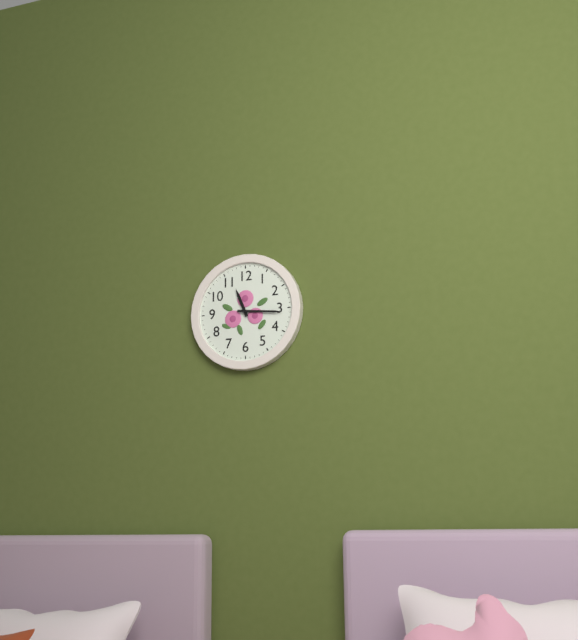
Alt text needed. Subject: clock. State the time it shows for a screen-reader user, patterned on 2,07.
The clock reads 11,16
